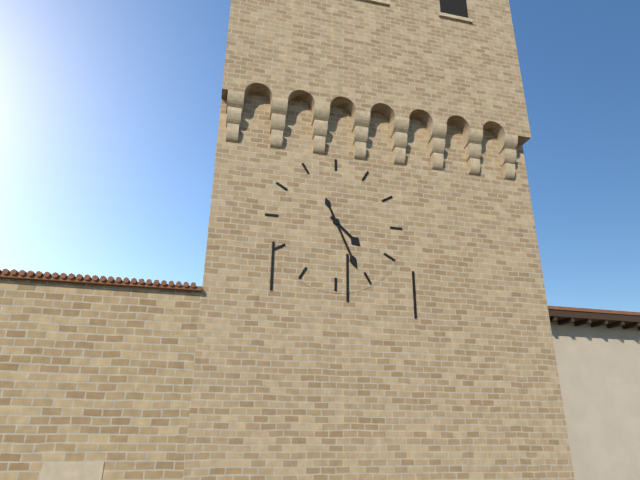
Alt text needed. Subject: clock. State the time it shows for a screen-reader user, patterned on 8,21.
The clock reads 4,26
